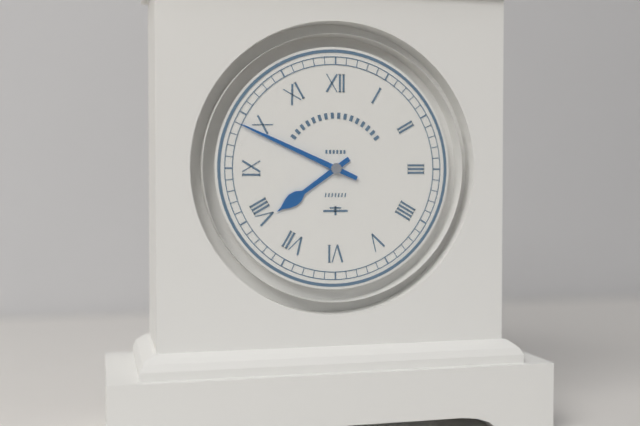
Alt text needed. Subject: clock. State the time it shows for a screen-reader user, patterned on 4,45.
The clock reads 7,49
